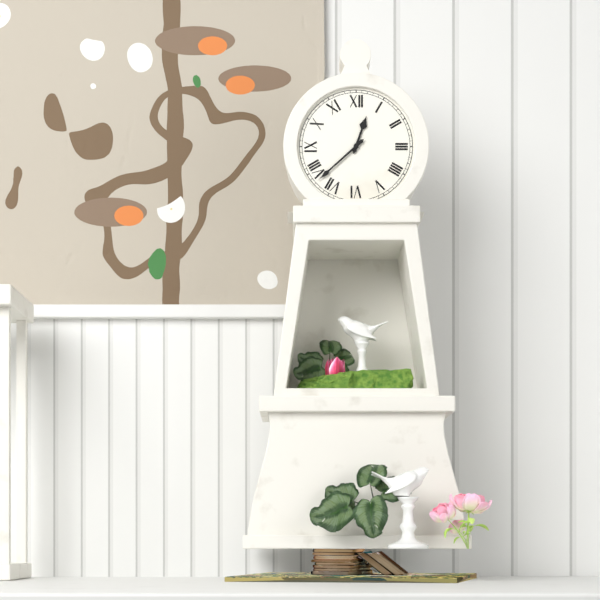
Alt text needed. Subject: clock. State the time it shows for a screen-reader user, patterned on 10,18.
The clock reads 12,38
